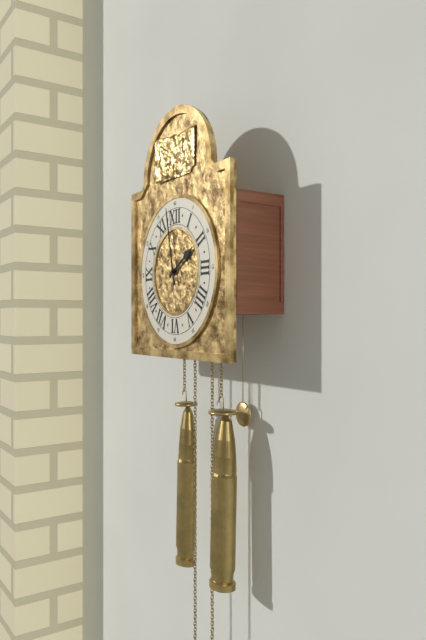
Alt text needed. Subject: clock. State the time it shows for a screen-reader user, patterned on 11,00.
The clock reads 1,58
